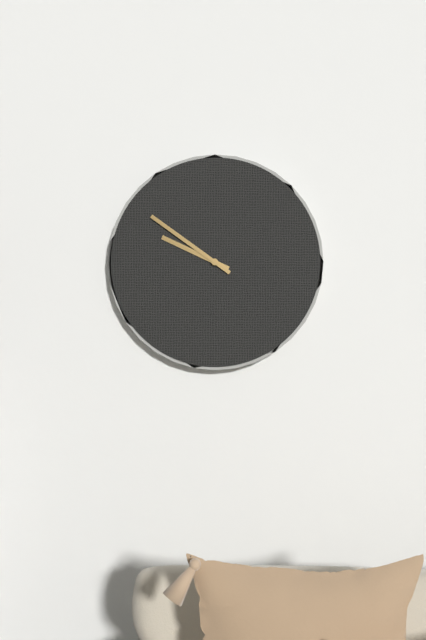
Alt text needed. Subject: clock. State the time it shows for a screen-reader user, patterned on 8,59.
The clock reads 9,51
